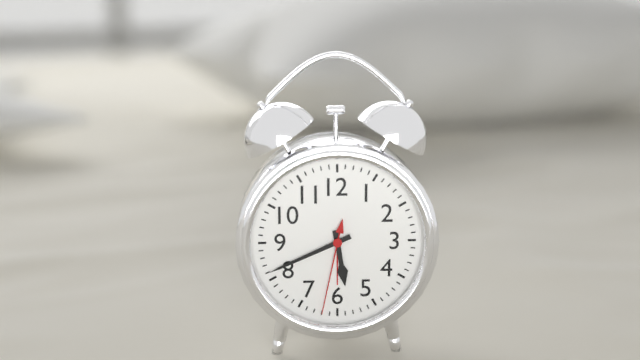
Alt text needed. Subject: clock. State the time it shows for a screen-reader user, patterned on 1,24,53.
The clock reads 5,41,32
